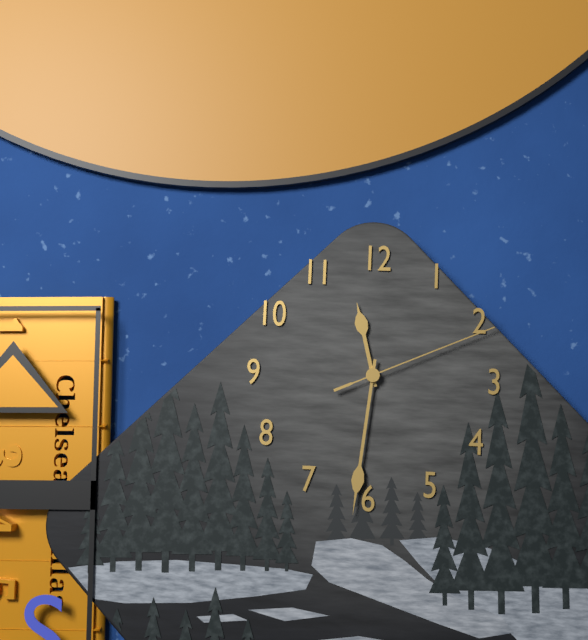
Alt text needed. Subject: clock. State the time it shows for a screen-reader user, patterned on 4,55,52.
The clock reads 11,31,11
